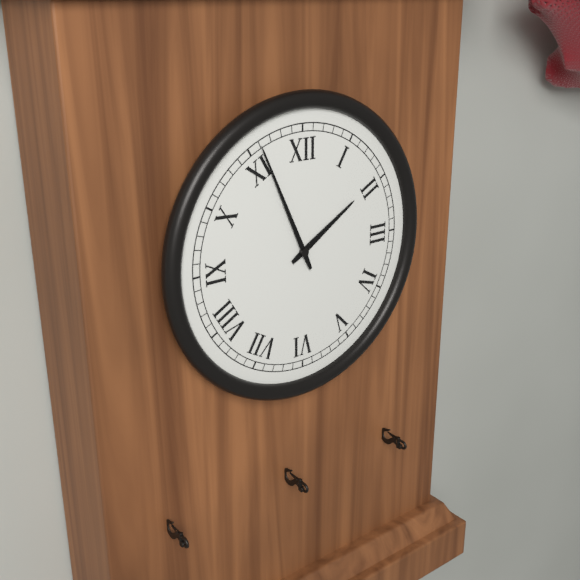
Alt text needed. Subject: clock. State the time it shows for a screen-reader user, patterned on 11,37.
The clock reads 1,56
